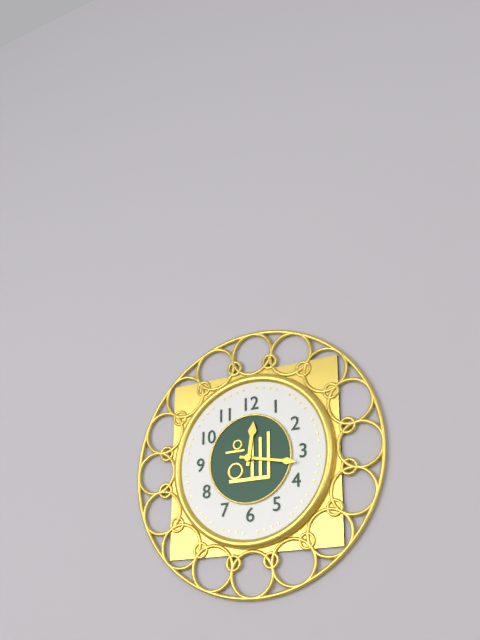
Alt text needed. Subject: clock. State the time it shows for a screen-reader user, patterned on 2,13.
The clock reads 12,17
